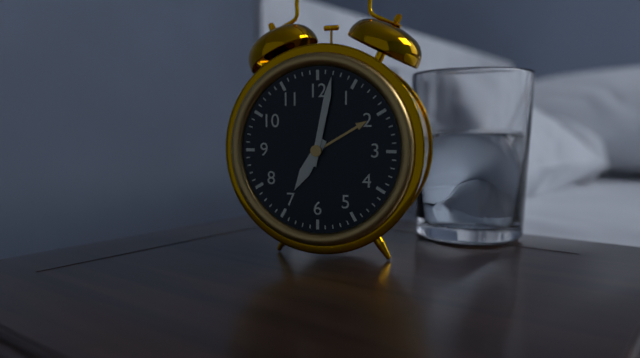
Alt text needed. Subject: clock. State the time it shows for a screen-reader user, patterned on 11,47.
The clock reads 7,02
